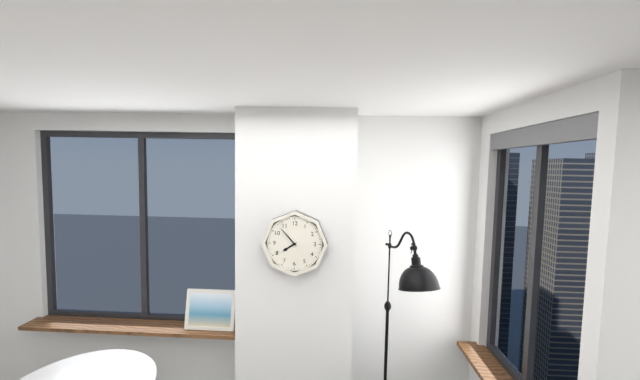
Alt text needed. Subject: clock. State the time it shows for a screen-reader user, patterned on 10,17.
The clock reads 7,53
